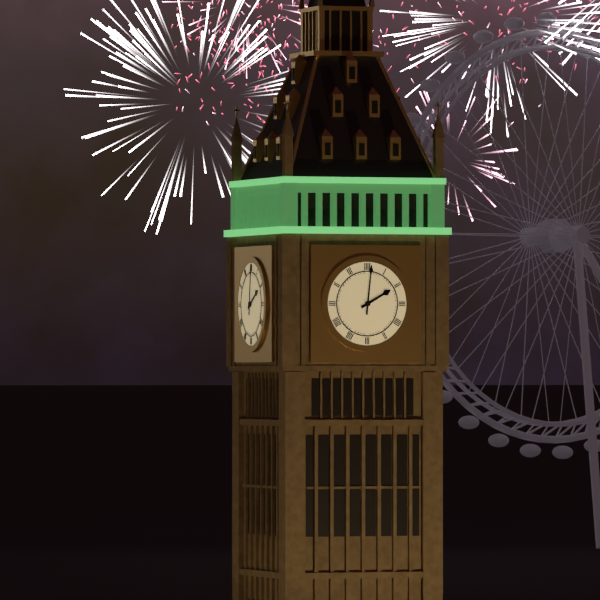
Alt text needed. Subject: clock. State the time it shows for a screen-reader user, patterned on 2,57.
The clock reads 2,01
